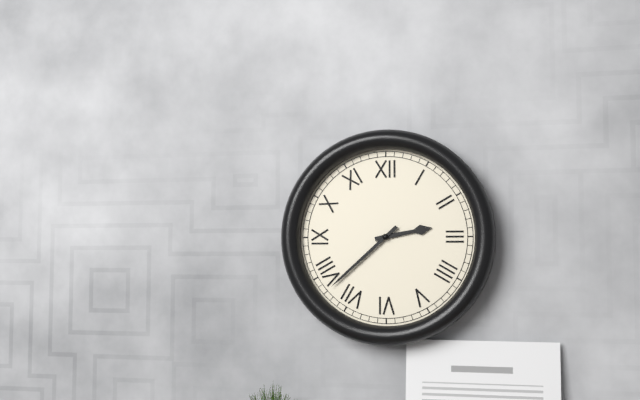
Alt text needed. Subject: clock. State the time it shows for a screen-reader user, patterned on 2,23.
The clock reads 2,38
